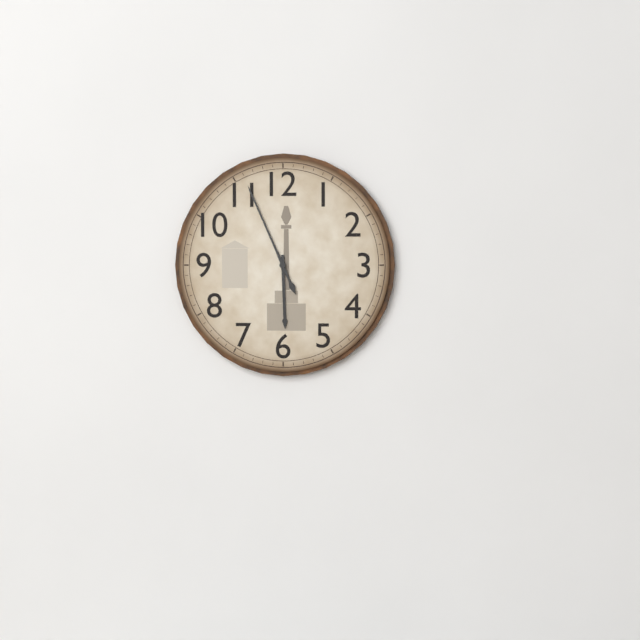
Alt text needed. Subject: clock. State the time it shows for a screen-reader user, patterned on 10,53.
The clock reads 5,56
